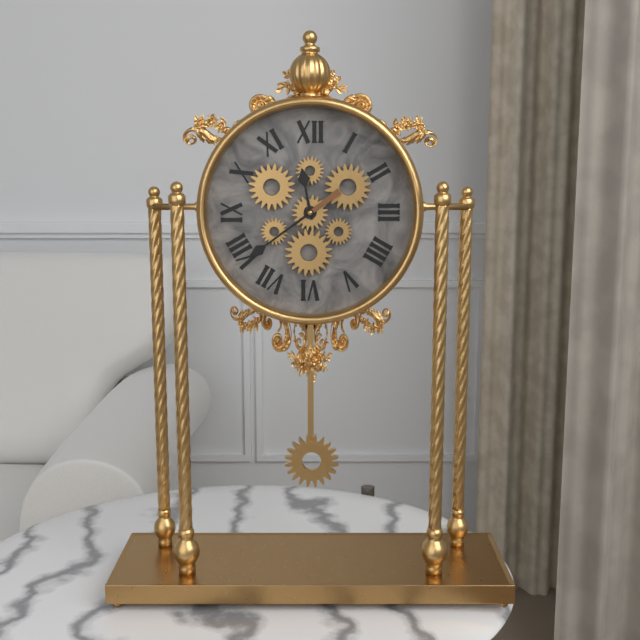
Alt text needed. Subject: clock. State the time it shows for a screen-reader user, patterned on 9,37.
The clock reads 11,39
